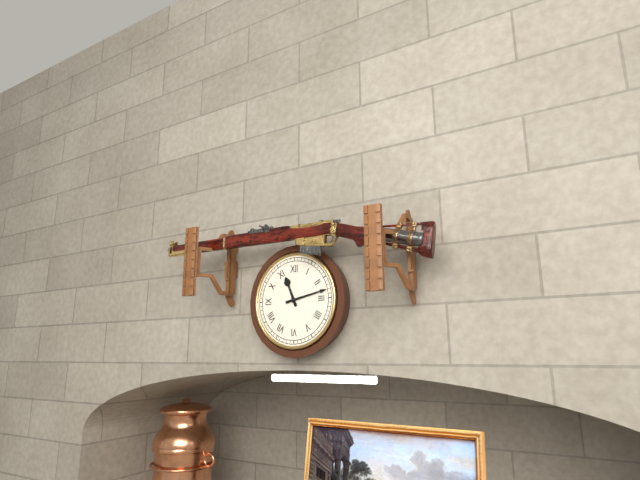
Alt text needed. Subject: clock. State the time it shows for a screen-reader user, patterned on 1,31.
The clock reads 11,13
